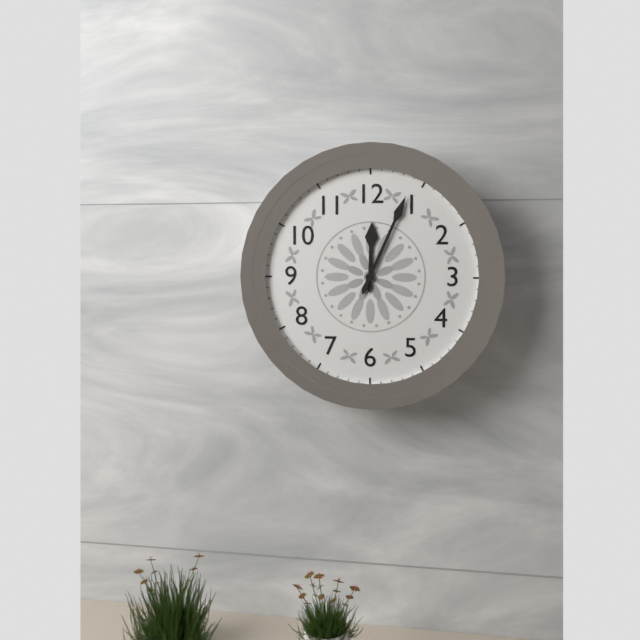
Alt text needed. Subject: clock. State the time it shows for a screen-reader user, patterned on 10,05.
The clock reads 12,04
